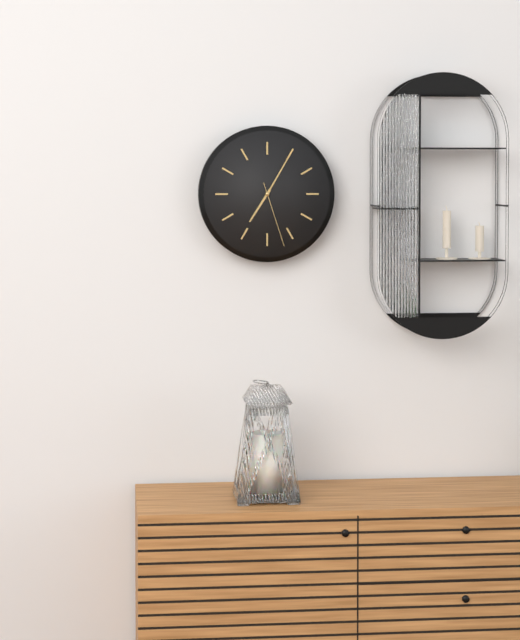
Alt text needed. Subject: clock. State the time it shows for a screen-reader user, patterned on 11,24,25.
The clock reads 7,05,27
